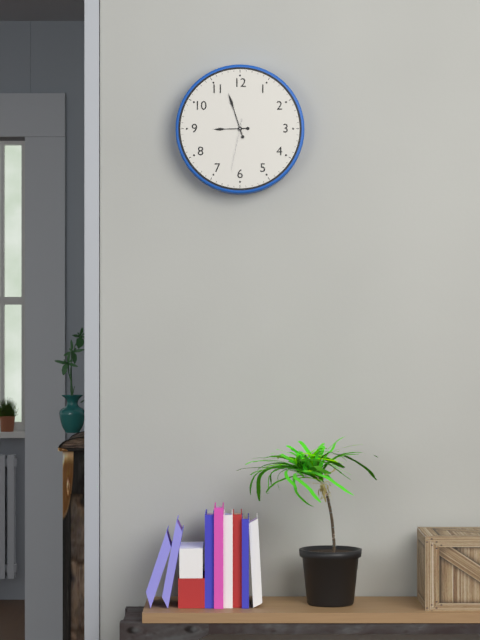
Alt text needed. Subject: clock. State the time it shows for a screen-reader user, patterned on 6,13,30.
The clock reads 8,57,32
